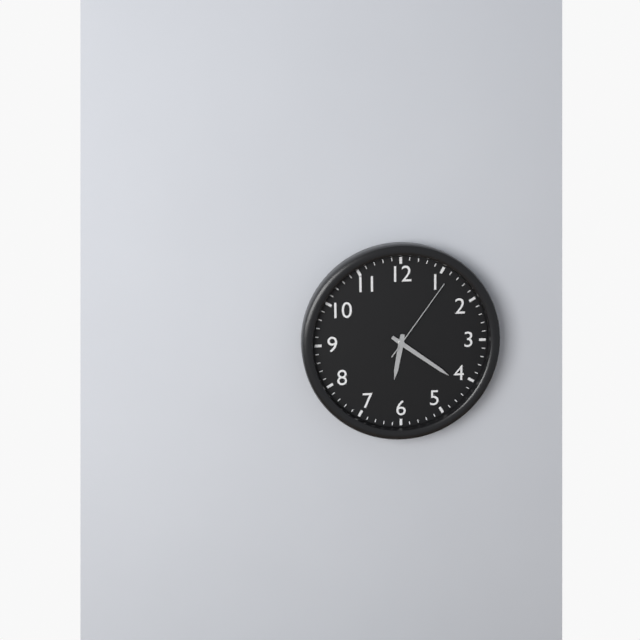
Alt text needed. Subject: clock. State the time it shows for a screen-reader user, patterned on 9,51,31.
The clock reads 6,21,06
